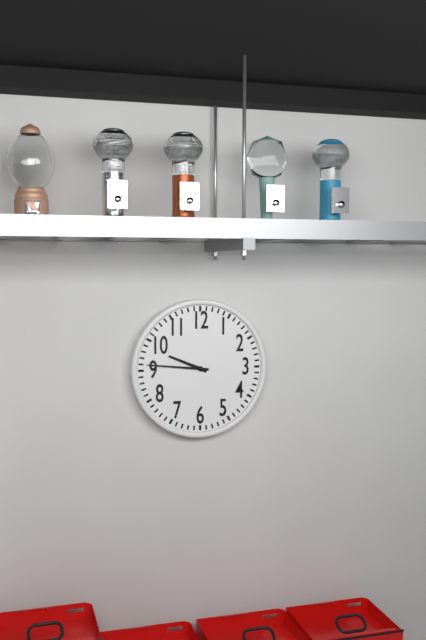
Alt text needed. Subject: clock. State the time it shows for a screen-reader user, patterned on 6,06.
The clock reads 9,46
